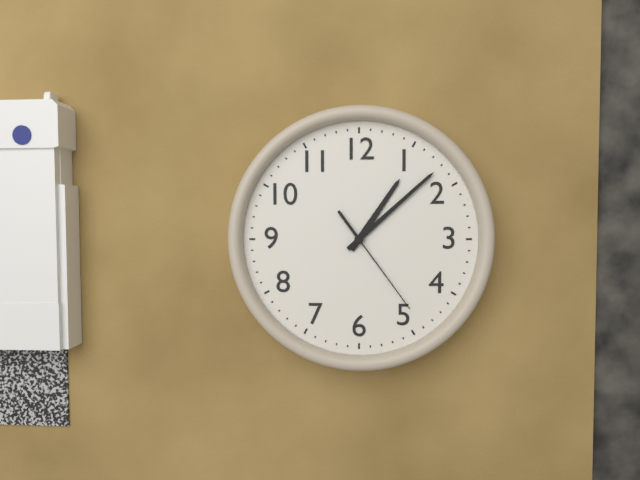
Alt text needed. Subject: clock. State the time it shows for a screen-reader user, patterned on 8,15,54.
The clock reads 1,08,24
